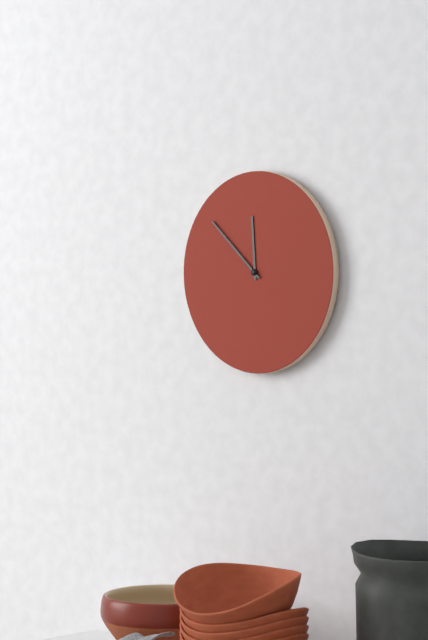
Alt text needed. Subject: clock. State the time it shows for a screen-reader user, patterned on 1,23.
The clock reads 11,52
